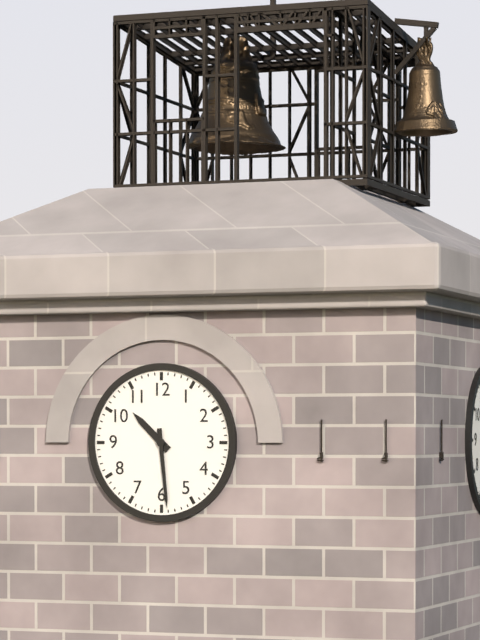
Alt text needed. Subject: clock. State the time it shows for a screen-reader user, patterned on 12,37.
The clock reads 10,29
